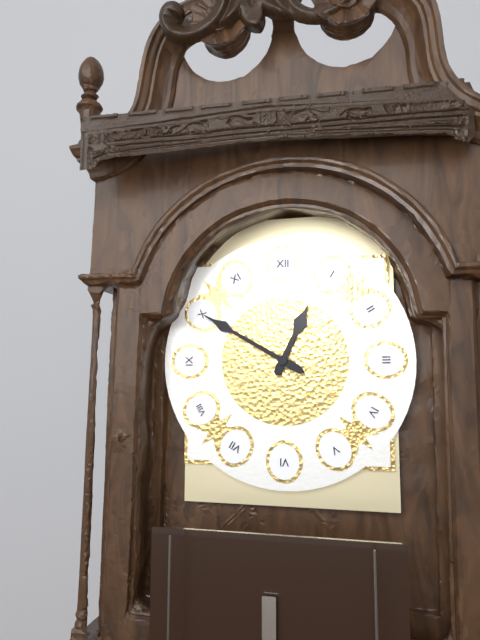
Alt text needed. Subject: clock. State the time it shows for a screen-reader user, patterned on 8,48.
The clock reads 12,50
